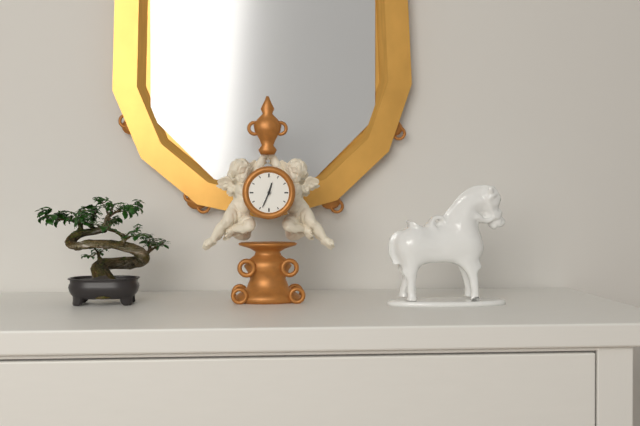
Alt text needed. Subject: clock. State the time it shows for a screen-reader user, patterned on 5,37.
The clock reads 12,34
